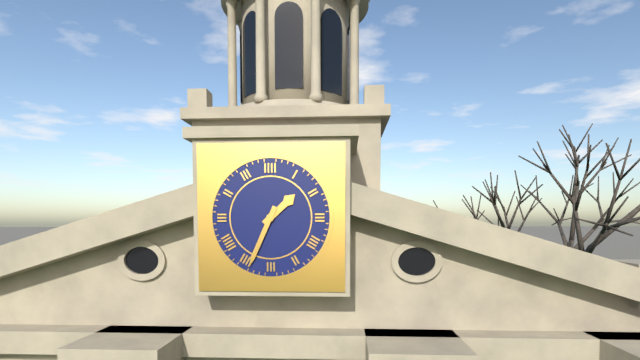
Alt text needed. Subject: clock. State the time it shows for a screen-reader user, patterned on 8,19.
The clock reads 1,34
